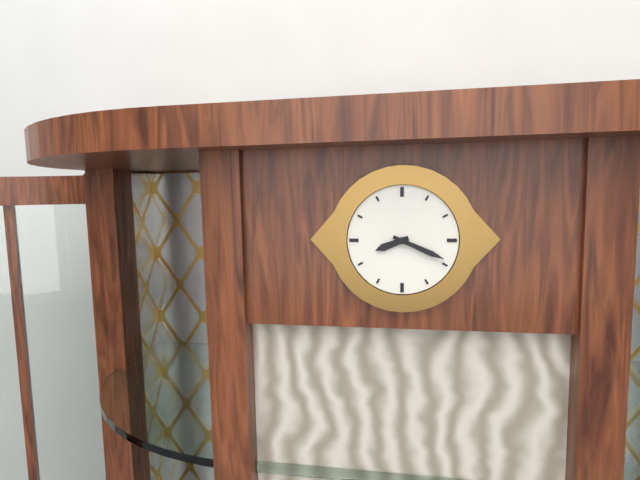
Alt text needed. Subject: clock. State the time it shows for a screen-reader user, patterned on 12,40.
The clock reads 8,19
